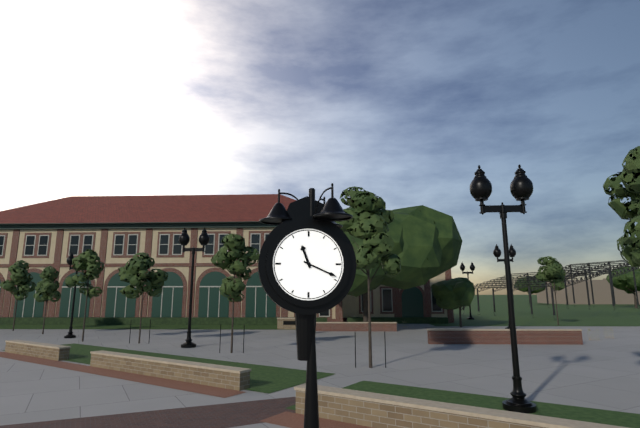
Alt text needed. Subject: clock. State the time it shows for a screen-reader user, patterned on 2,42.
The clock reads 11,19
